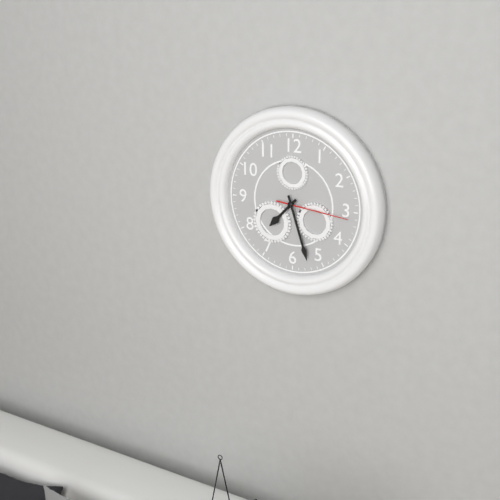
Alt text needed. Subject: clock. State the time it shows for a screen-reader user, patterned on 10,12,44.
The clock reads 7,27,16
